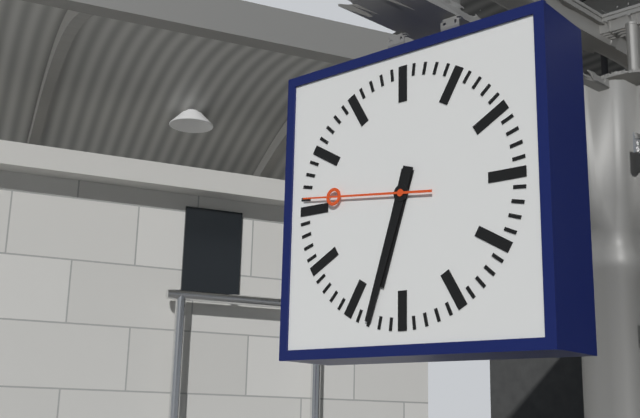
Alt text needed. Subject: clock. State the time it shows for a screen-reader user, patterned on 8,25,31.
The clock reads 6,33,46
